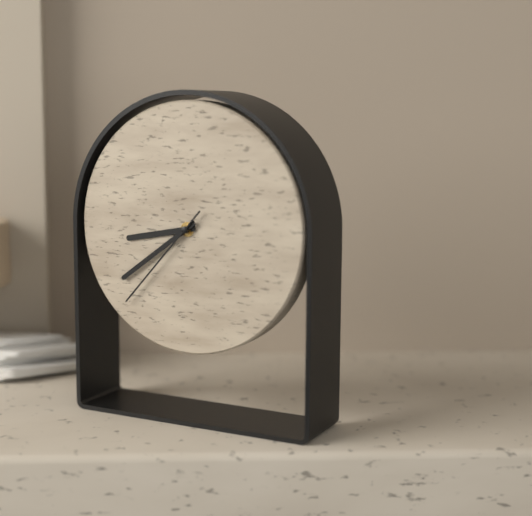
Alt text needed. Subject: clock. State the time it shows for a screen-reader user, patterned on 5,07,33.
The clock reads 8,39,37
